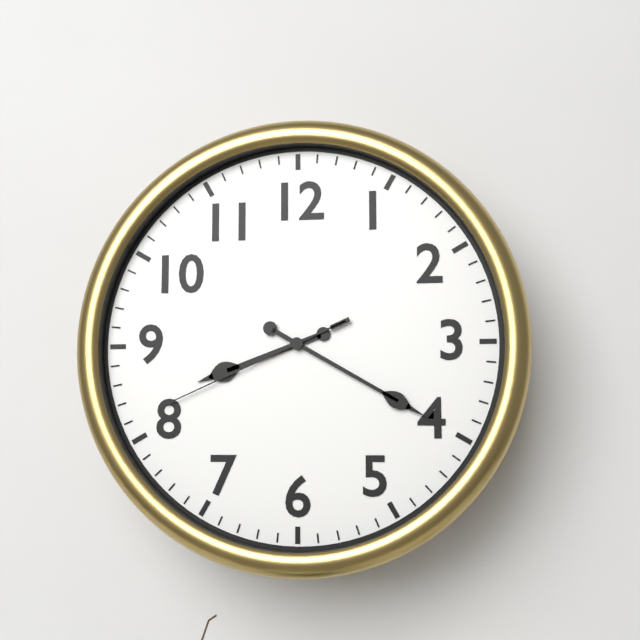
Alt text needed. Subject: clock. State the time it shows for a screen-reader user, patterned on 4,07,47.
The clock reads 8,20,41
